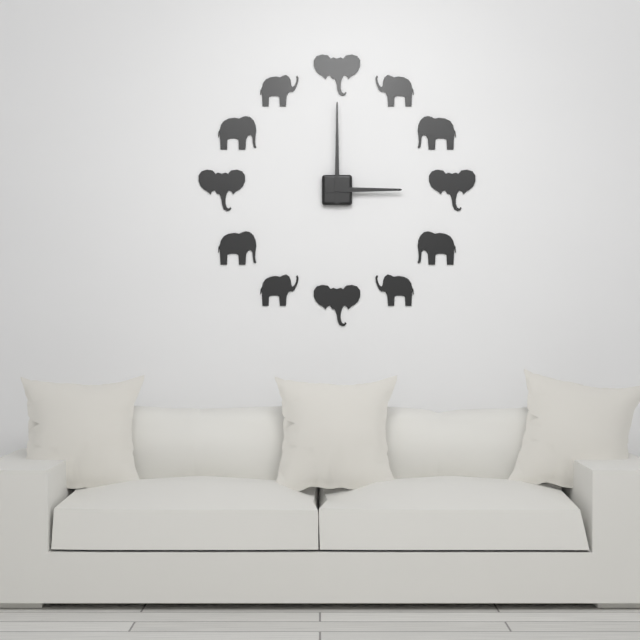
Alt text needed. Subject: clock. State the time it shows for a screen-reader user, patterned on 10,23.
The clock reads 3,00
